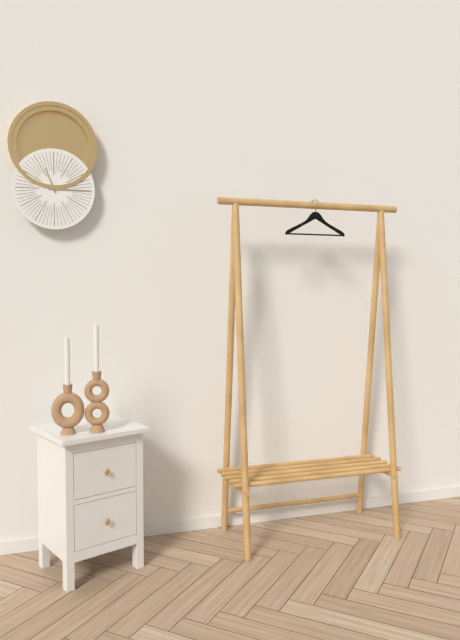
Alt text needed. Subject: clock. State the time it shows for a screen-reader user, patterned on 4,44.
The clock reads 11,15
